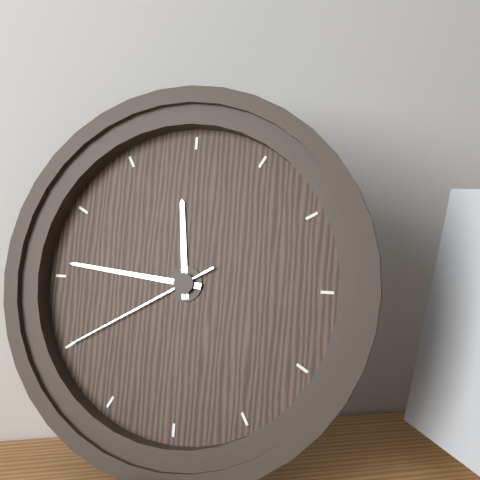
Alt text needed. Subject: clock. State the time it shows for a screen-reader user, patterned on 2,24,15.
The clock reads 11,46,40
